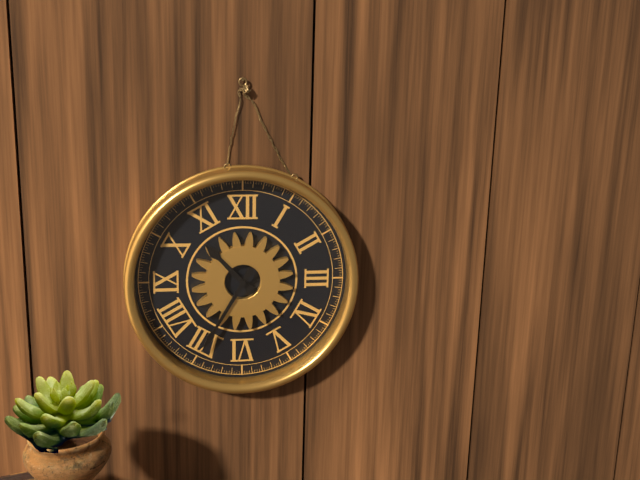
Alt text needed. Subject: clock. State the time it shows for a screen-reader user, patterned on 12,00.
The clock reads 10,35
